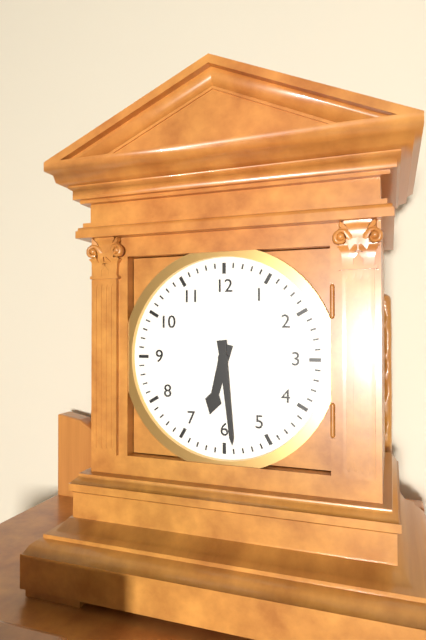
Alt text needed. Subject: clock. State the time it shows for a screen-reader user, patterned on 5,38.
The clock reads 6,29
